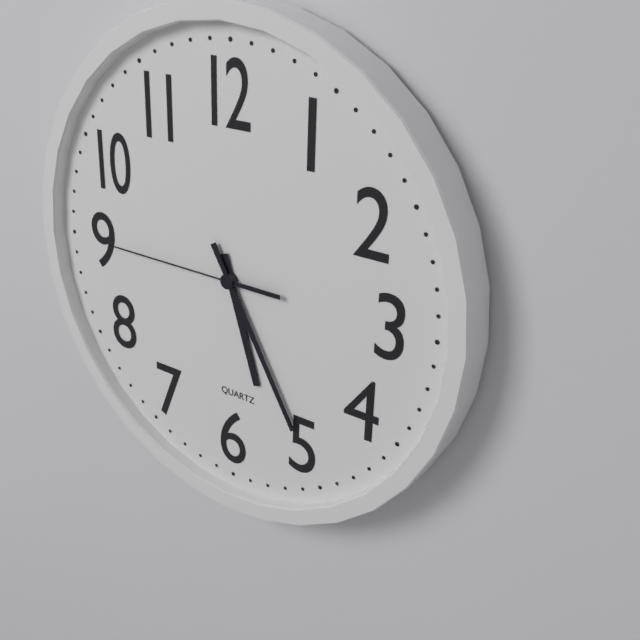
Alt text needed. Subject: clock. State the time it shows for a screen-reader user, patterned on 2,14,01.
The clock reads 5,25,45
